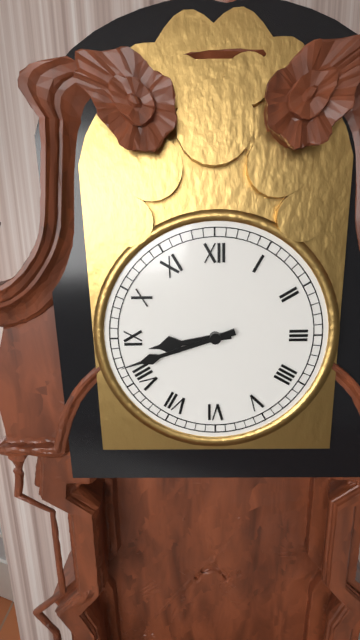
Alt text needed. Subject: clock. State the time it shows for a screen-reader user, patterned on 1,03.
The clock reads 8,42
